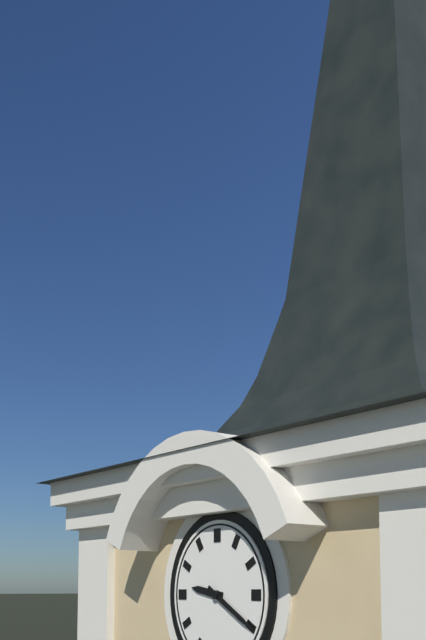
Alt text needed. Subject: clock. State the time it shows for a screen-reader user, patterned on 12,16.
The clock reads 9,20
